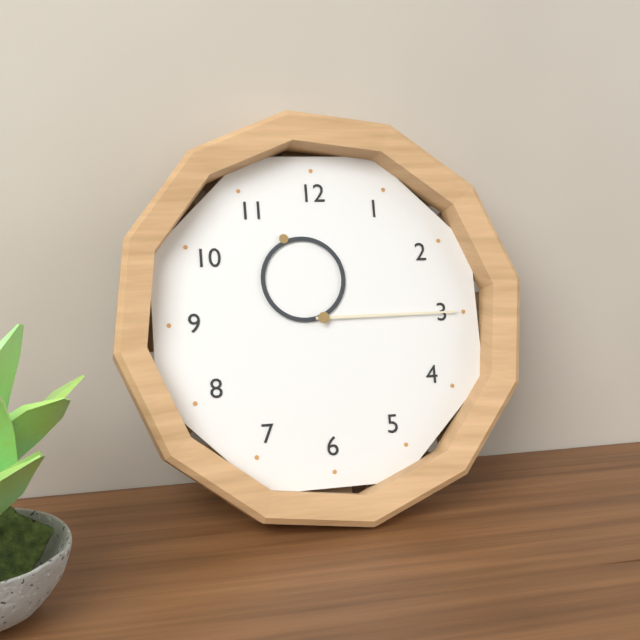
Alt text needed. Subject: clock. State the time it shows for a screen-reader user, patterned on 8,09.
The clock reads 11,15
